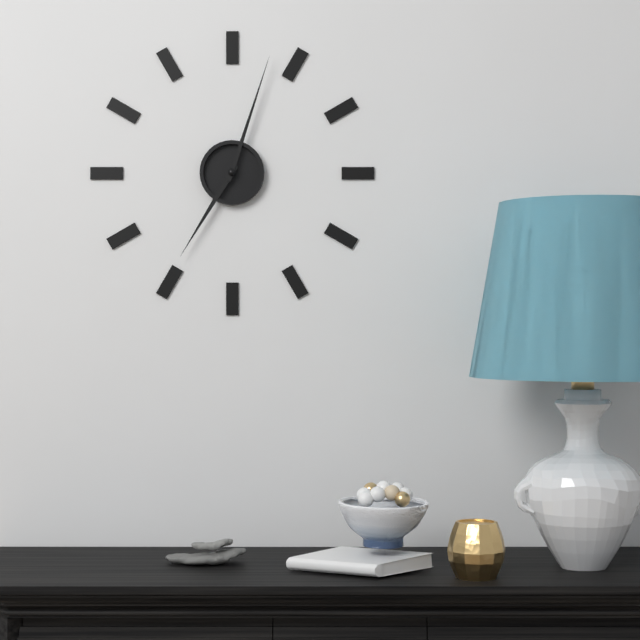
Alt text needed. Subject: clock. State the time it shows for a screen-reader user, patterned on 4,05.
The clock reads 7,03
